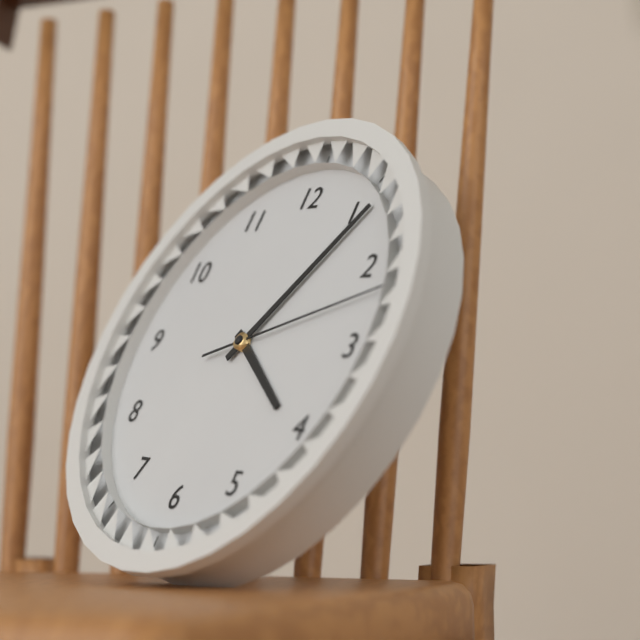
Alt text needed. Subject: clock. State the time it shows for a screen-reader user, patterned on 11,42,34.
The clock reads 4,06,12
